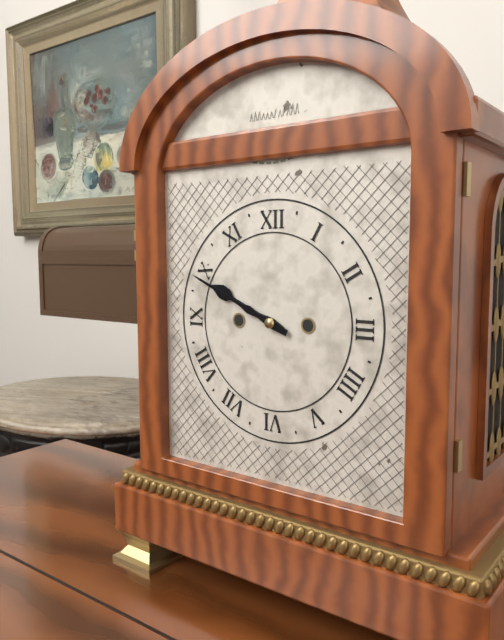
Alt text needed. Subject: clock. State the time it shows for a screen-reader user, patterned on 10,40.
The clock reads 9,49
